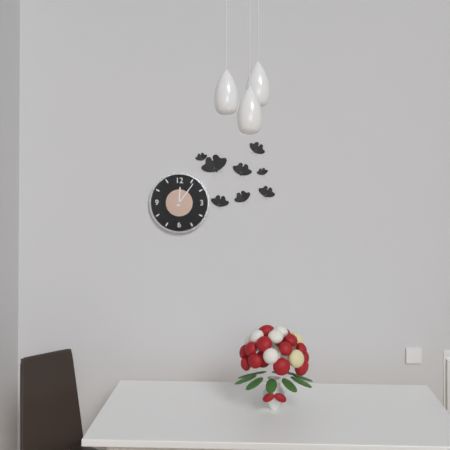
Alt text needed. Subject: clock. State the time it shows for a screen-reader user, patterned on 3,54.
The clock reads 12,06
